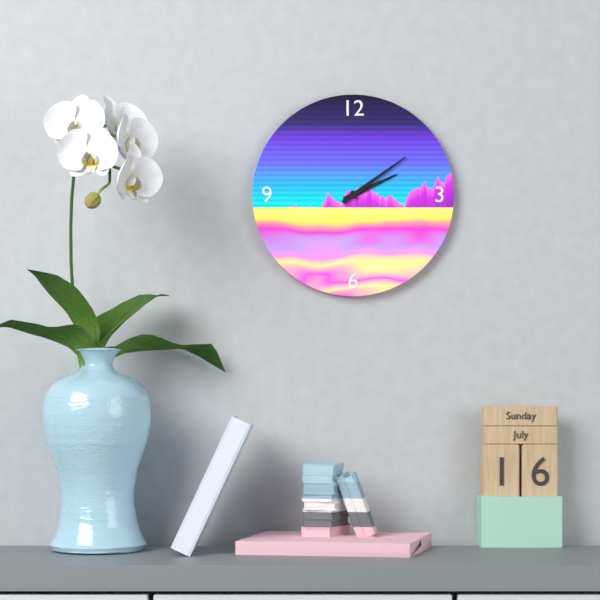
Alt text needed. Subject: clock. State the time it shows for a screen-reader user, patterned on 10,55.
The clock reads 2,09
